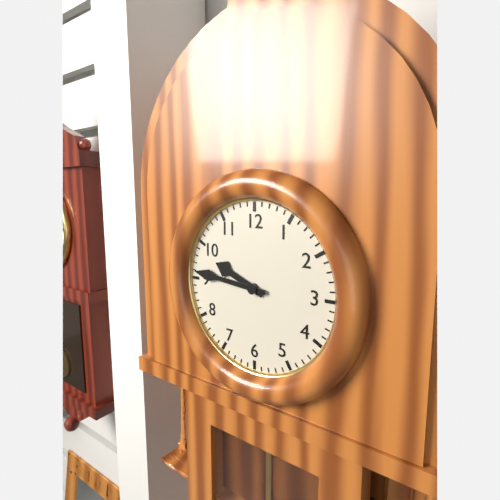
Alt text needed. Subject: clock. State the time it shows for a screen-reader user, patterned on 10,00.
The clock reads 9,46
